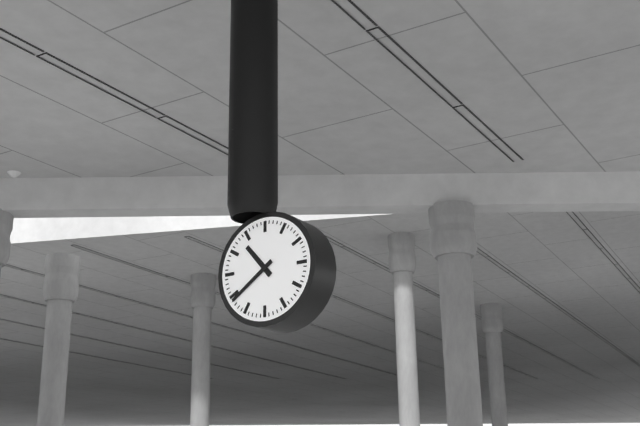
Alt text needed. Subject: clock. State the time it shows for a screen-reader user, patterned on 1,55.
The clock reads 10,39
